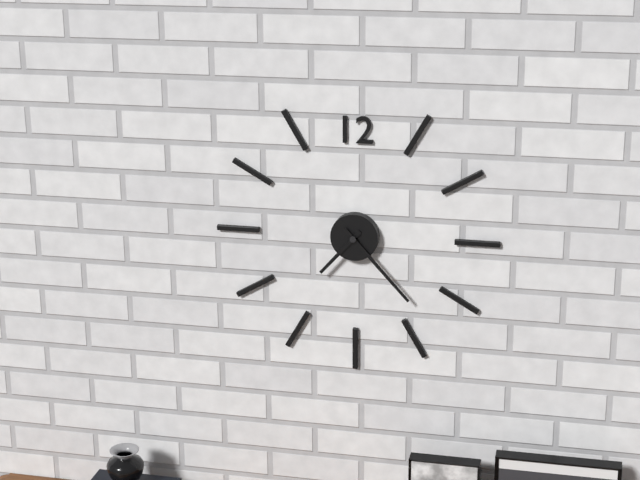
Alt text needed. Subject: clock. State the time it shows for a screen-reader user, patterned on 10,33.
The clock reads 7,23
